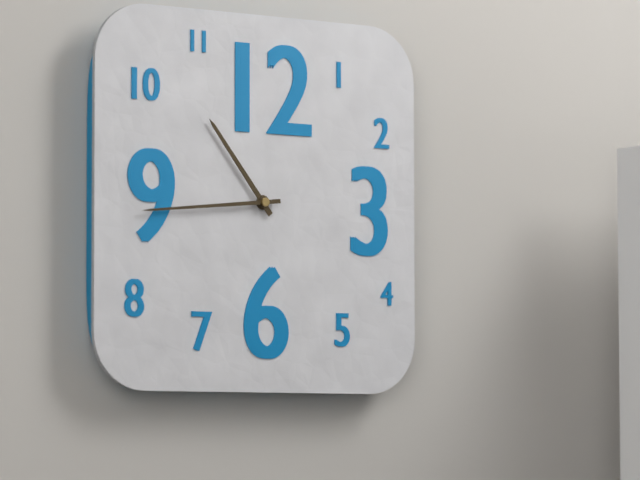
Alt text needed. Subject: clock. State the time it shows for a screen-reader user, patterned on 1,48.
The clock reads 10,44
